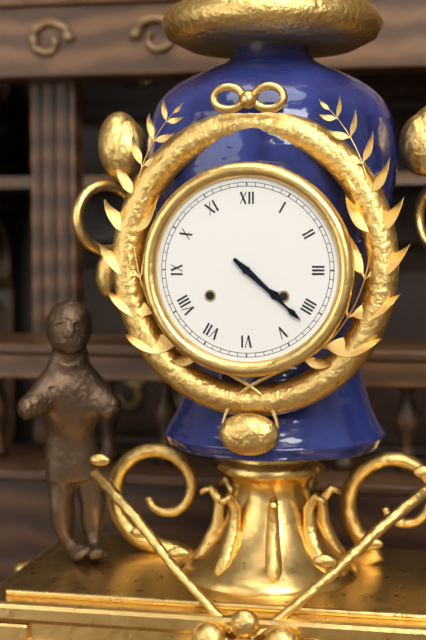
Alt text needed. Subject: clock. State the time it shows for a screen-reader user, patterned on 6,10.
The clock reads 4,22
